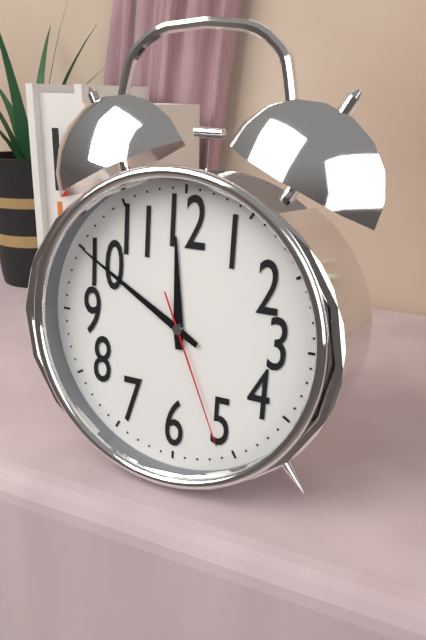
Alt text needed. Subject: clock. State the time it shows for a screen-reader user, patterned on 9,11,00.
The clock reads 11,50,26
